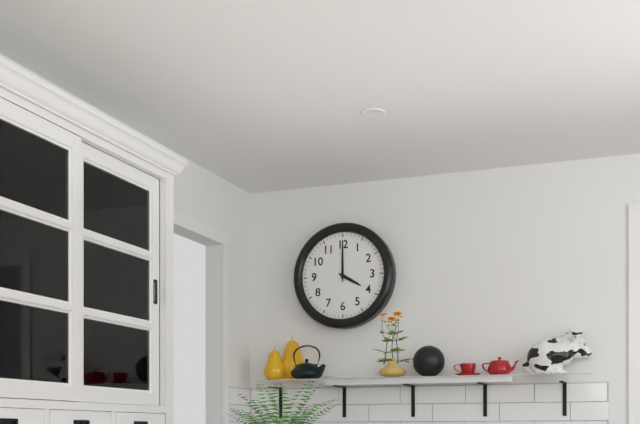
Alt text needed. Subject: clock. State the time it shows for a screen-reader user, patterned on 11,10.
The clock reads 4,00
